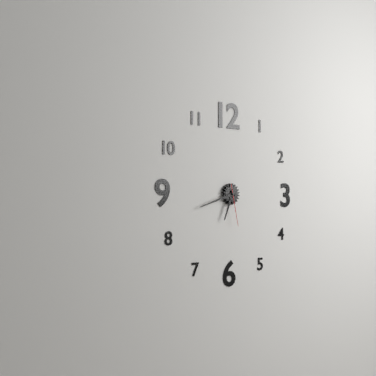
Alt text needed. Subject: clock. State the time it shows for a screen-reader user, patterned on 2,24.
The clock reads 6,42
